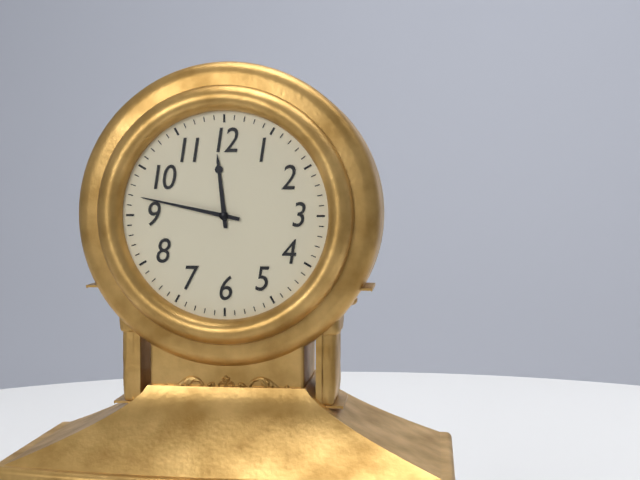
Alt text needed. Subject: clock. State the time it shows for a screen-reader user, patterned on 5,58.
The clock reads 11,47
